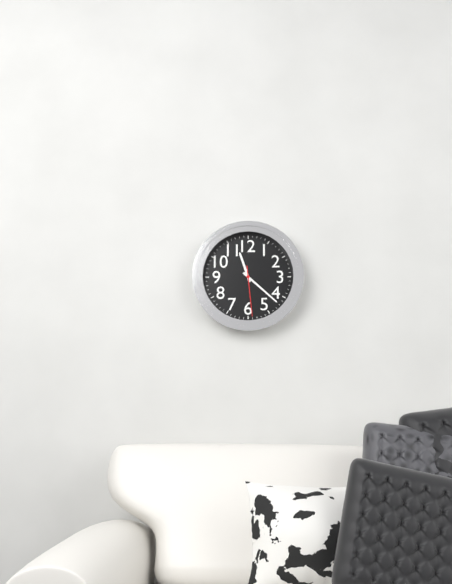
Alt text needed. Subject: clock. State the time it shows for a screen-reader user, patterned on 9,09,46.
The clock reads 11,22,29
